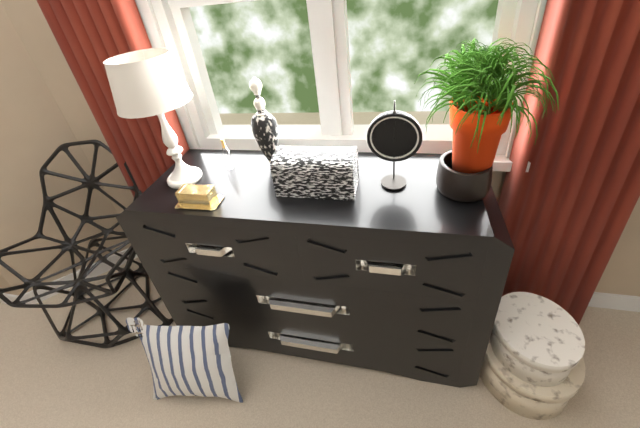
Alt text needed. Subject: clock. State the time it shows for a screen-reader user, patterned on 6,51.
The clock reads 12,01
